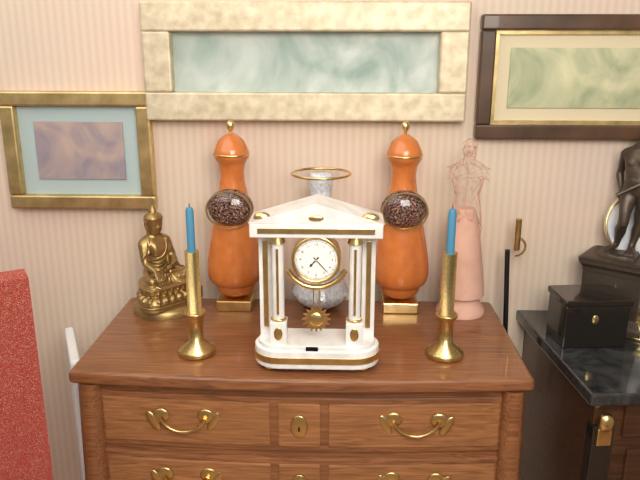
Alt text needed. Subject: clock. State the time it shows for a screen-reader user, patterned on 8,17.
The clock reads 7,23
